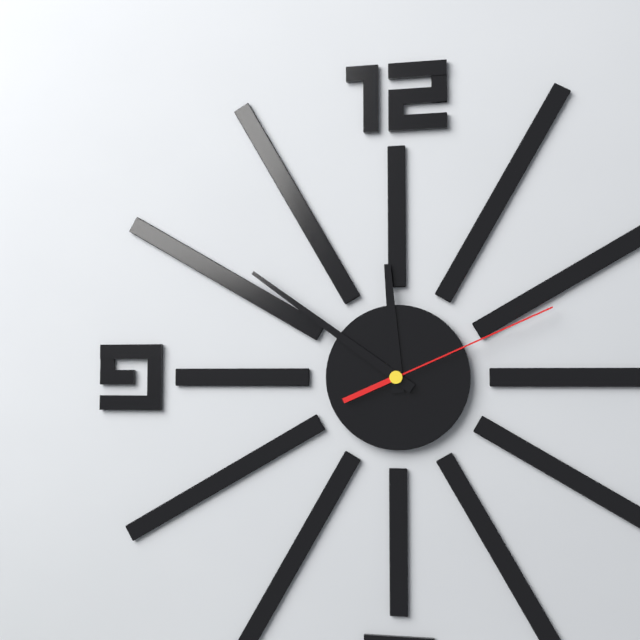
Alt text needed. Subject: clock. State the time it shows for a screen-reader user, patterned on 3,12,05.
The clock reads 11,51,11
